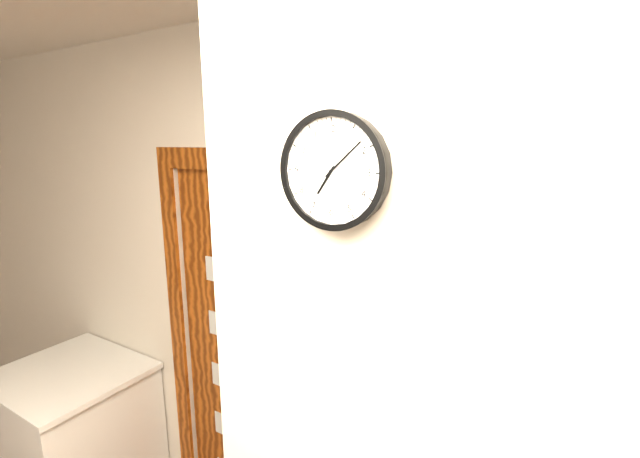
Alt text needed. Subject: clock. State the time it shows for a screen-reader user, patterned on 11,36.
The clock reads 7,08
